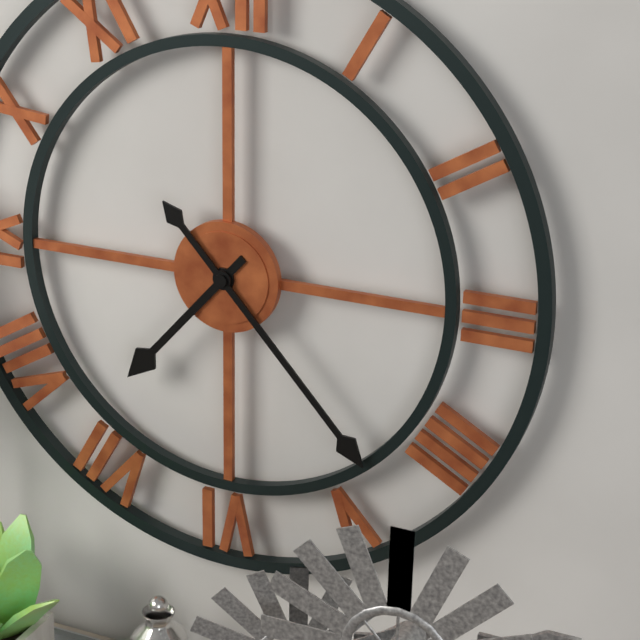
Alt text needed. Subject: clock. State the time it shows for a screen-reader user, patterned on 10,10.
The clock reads 7,23
